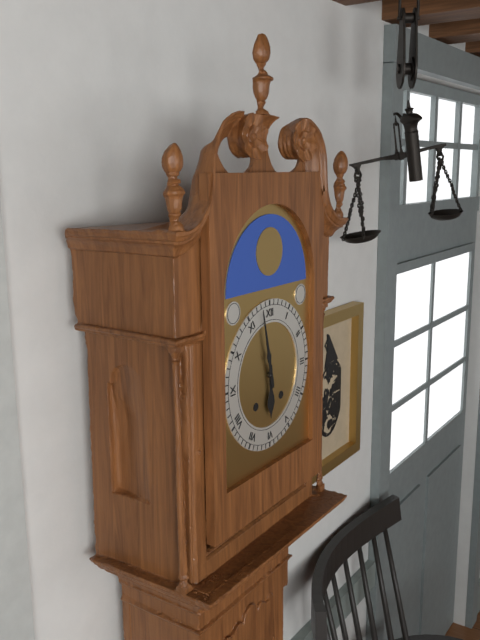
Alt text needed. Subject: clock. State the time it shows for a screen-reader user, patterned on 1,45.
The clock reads 5,58
